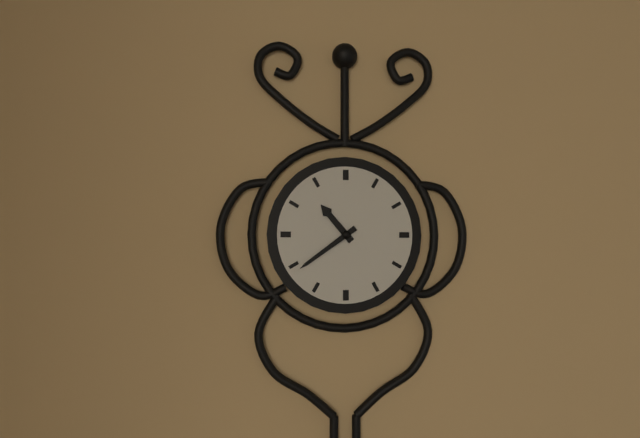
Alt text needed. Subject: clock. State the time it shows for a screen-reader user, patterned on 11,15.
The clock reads 10,39
